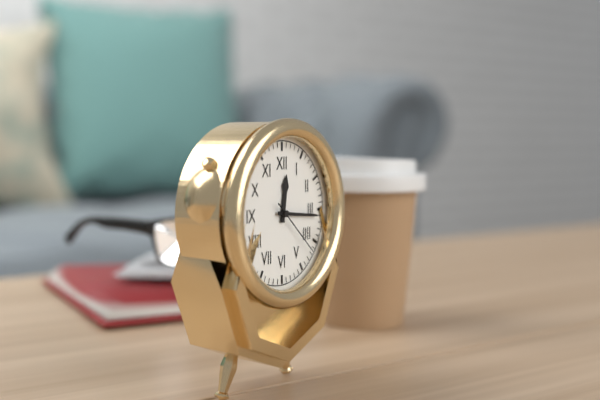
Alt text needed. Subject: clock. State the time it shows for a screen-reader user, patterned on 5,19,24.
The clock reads 12,16,22
